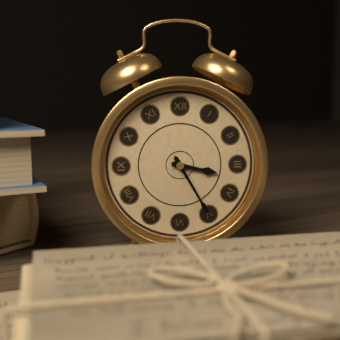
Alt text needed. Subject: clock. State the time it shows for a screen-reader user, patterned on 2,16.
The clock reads 3,25
